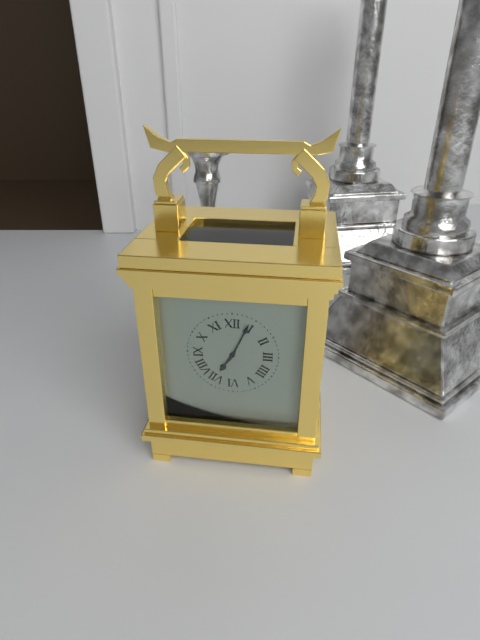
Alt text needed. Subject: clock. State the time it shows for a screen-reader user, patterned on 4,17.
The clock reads 7,04
